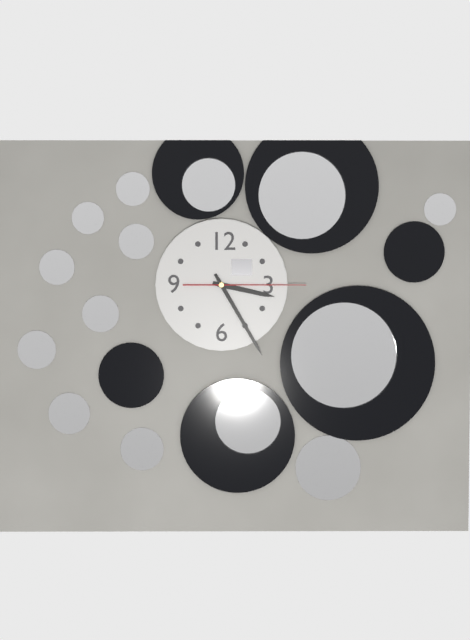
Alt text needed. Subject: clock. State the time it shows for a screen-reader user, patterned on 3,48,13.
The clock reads 3,25,15
